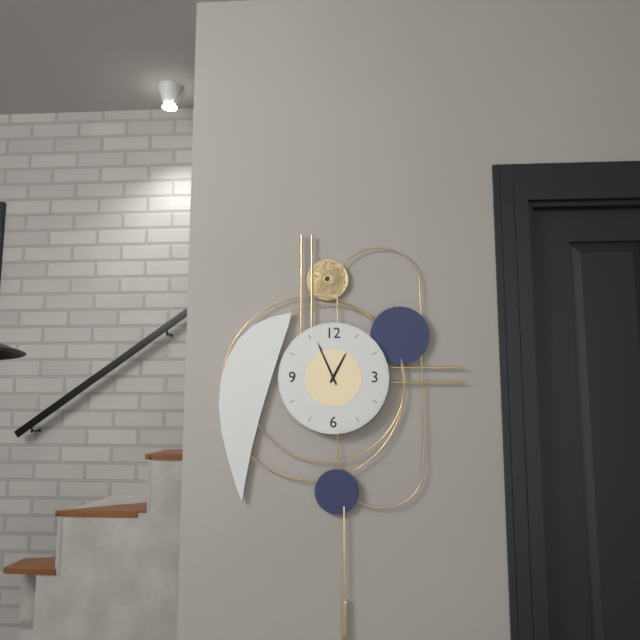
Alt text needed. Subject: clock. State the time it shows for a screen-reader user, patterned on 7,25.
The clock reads 12,56
